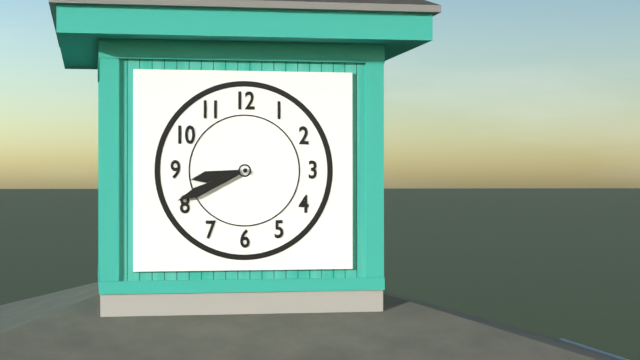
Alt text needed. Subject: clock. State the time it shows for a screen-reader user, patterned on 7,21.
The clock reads 8,41
